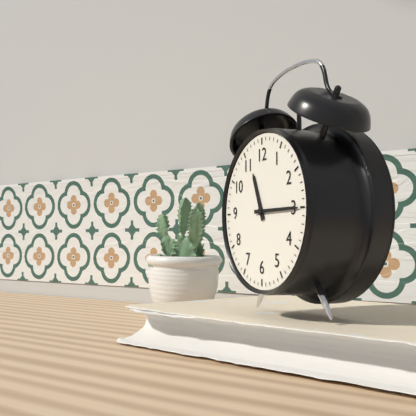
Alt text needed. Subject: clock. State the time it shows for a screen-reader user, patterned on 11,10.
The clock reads 11,15
